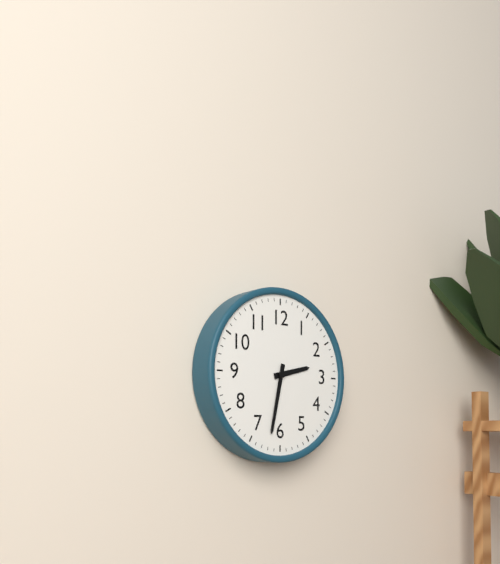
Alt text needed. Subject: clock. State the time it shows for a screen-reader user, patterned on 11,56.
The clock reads 2,32
